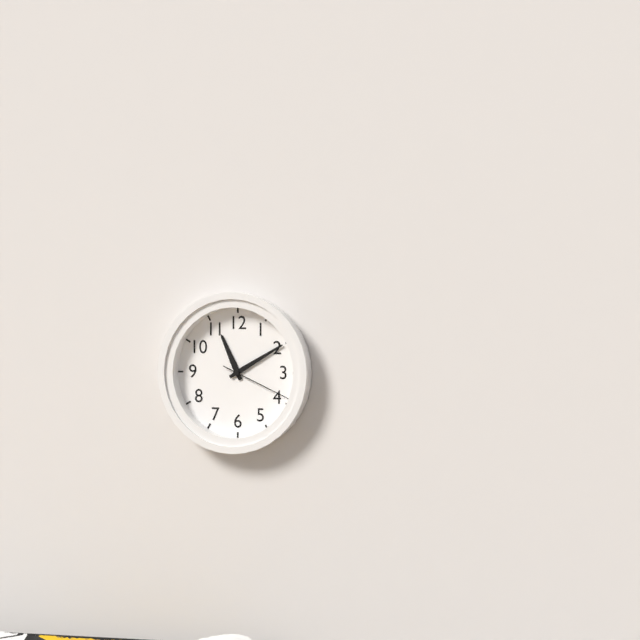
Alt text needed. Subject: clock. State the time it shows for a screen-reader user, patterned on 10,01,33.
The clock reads 11,10,19
